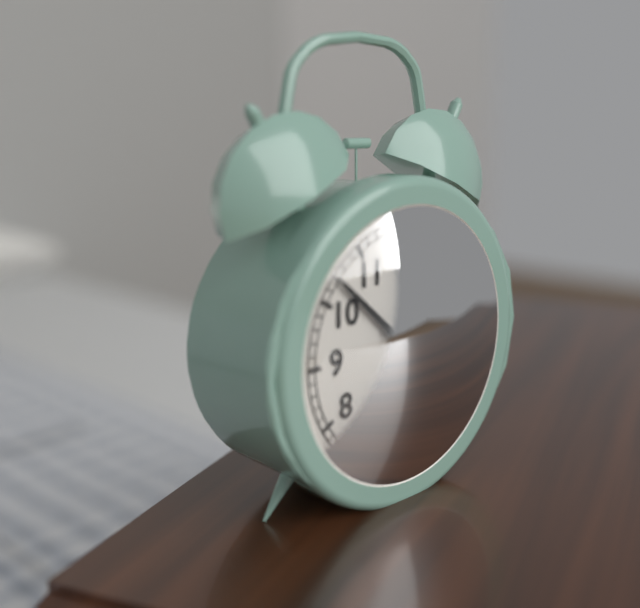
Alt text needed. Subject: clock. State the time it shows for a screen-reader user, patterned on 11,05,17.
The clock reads 6,52,21
